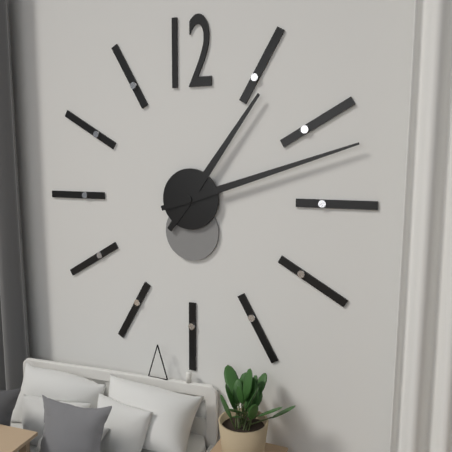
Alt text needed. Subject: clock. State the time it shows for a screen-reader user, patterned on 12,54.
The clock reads 1,12
